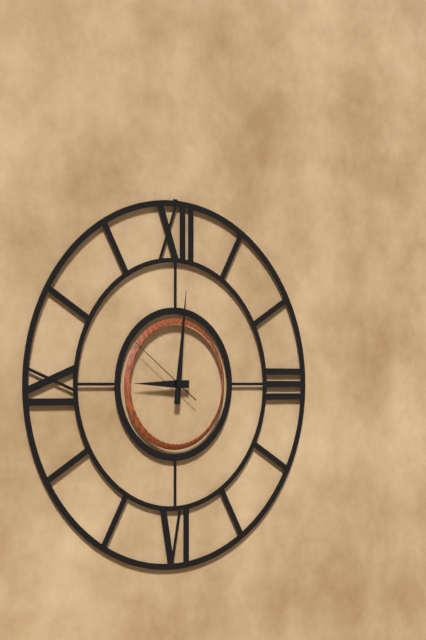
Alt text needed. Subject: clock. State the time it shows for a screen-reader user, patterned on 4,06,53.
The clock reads 9,01,51
